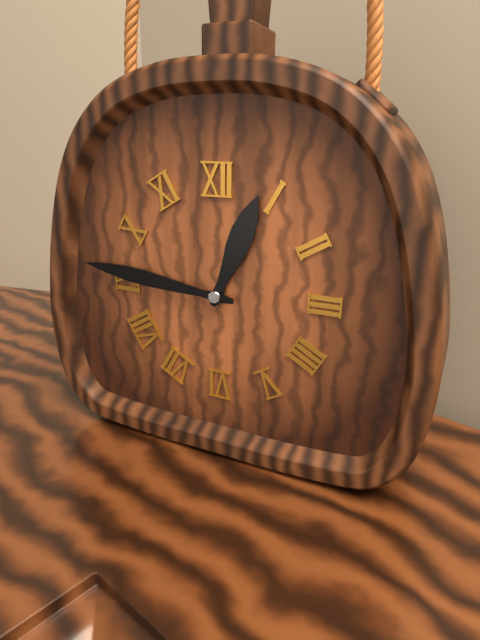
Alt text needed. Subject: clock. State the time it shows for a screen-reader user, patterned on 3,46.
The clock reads 12,46
